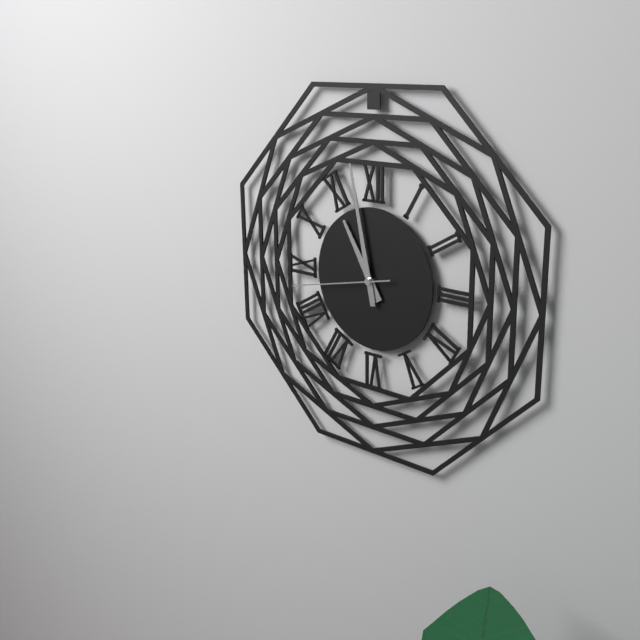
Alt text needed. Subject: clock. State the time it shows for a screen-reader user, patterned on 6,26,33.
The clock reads 10,58,43
